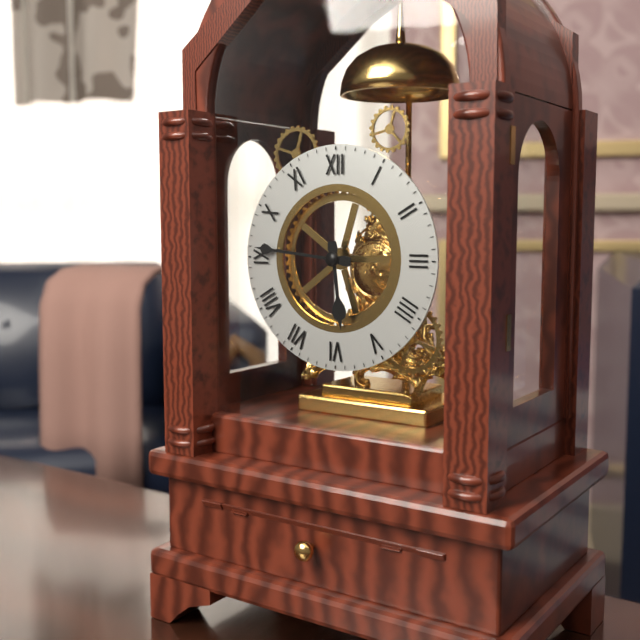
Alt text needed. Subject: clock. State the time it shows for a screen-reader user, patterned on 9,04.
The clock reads 5,46
